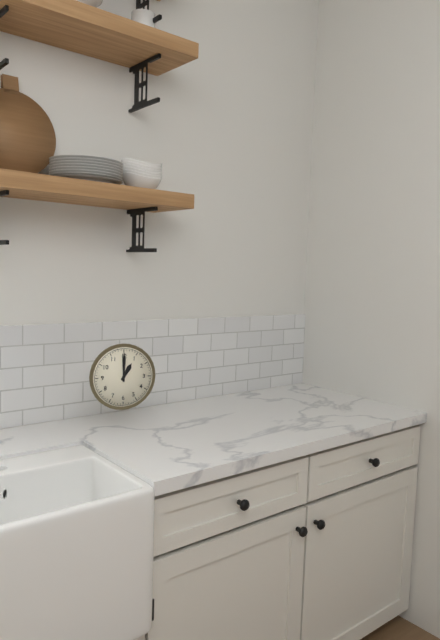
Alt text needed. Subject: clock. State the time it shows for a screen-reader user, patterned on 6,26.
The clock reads 1,00
